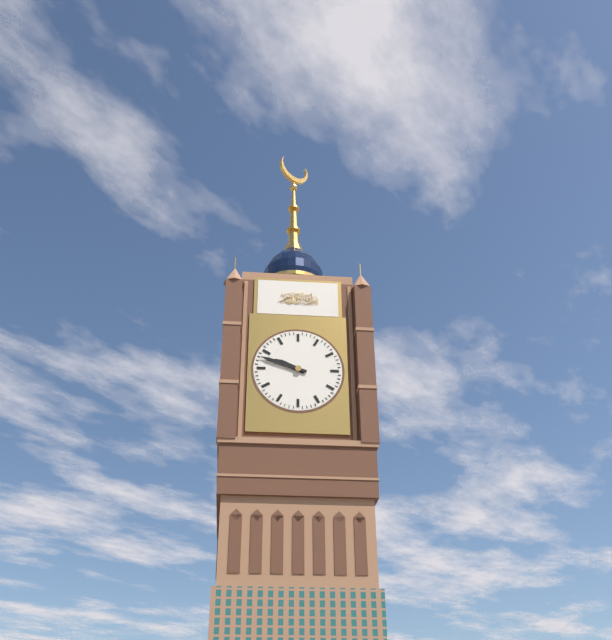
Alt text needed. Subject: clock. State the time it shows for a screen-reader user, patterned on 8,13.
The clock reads 9,48
